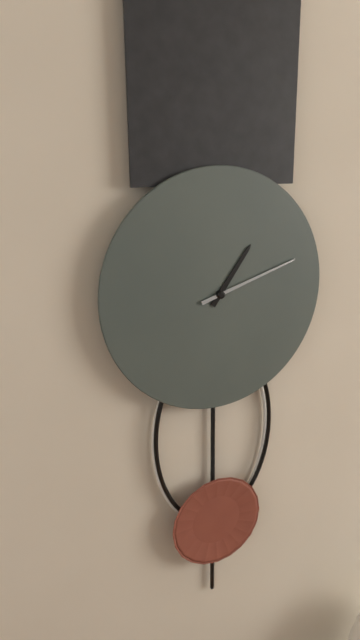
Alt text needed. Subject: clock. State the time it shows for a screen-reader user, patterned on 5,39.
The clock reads 1,12
